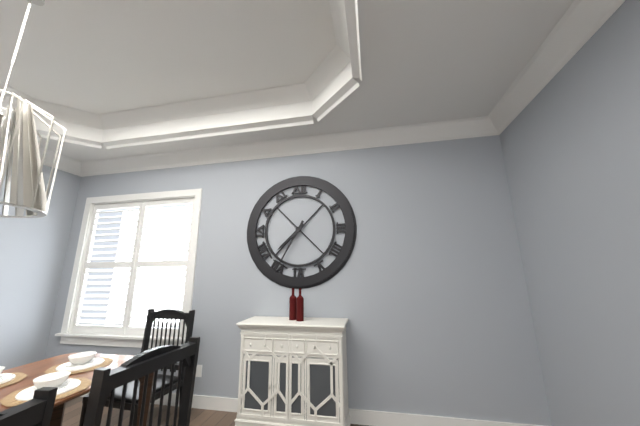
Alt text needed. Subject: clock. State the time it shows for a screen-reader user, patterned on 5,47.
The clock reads 7,35
